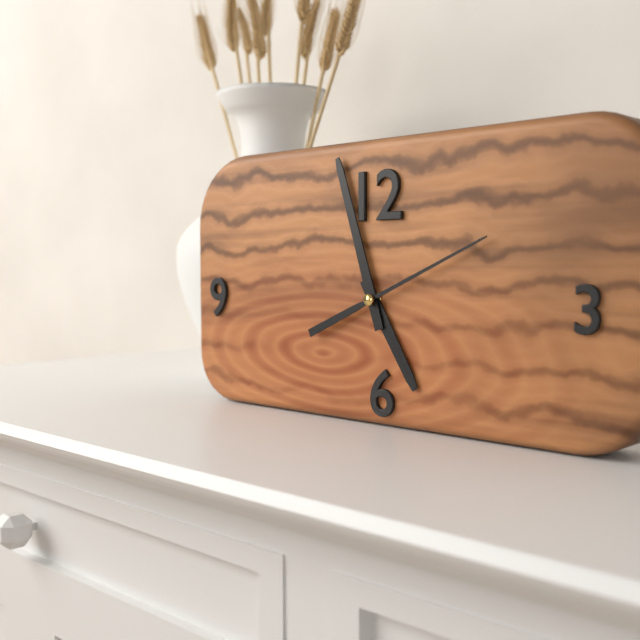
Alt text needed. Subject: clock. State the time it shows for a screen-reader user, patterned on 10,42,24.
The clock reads 4,57,11
